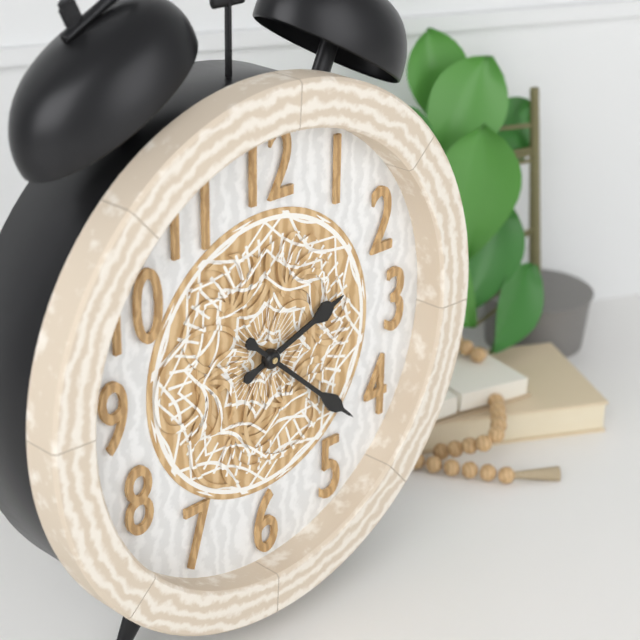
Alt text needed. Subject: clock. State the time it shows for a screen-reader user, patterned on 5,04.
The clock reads 2,22
